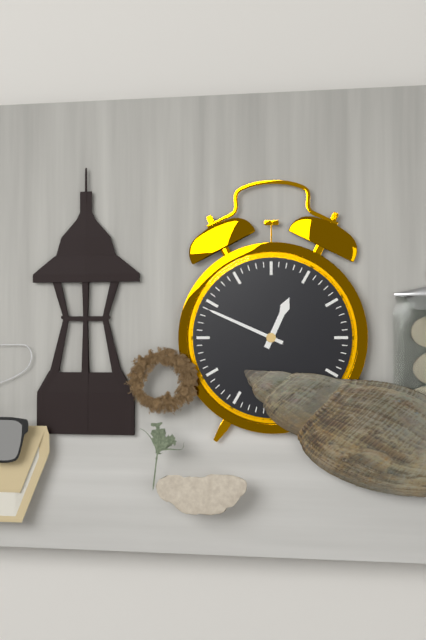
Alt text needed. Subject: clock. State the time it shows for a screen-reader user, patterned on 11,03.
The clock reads 12,49
